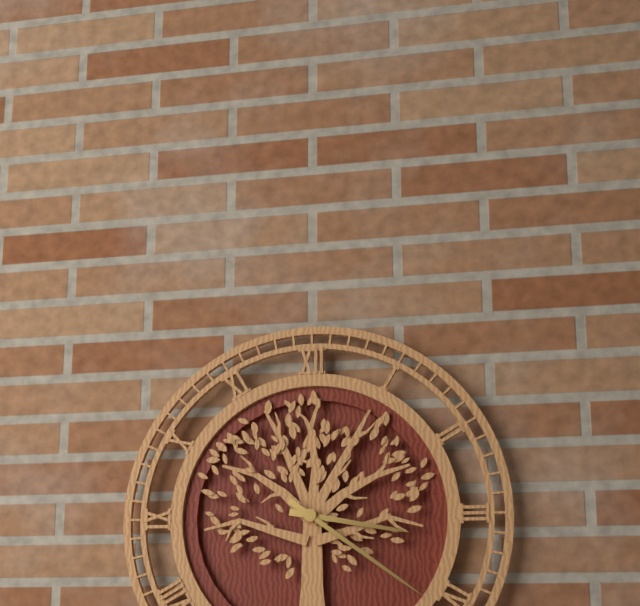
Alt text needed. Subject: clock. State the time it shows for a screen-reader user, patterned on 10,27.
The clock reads 3,21
